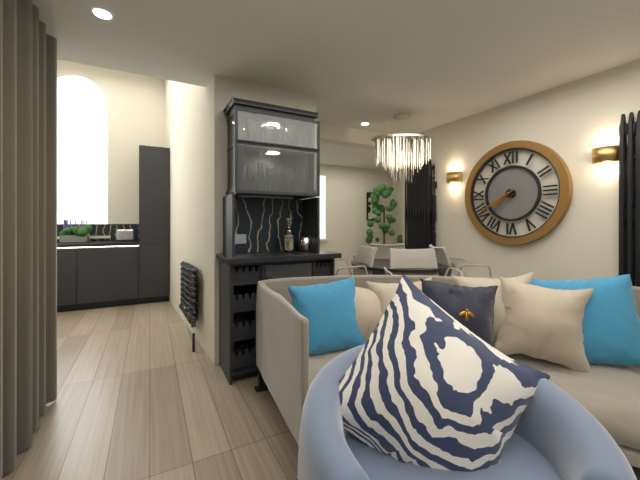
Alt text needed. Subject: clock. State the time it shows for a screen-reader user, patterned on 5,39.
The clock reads 7,40
